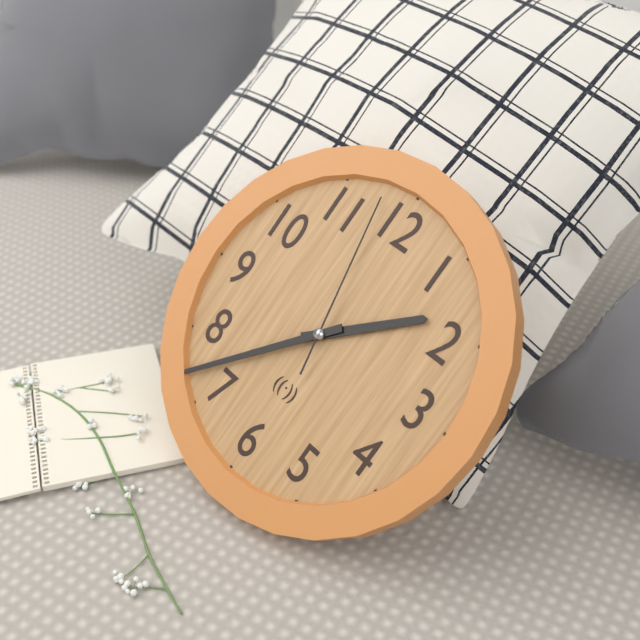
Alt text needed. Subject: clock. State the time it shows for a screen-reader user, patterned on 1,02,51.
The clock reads 1,37,58
